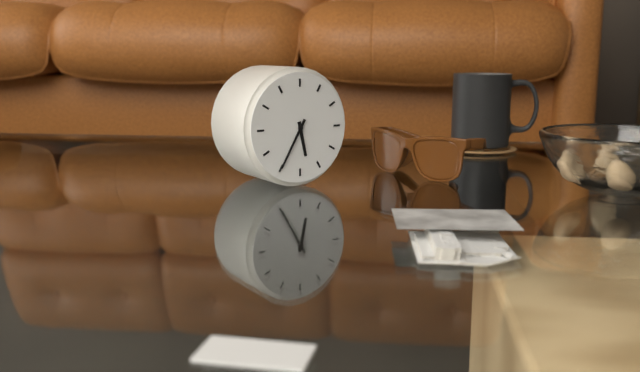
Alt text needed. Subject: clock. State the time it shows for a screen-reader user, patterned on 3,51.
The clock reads 5,35
